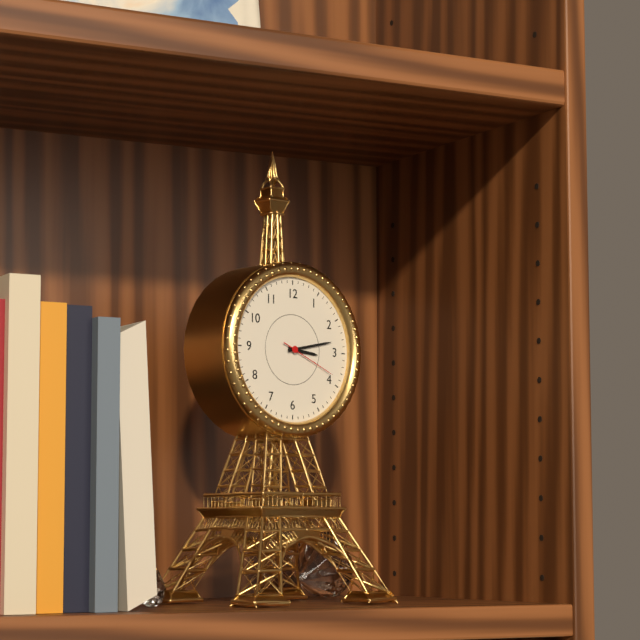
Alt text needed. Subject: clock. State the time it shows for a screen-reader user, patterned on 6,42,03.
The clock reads 3,13,19
